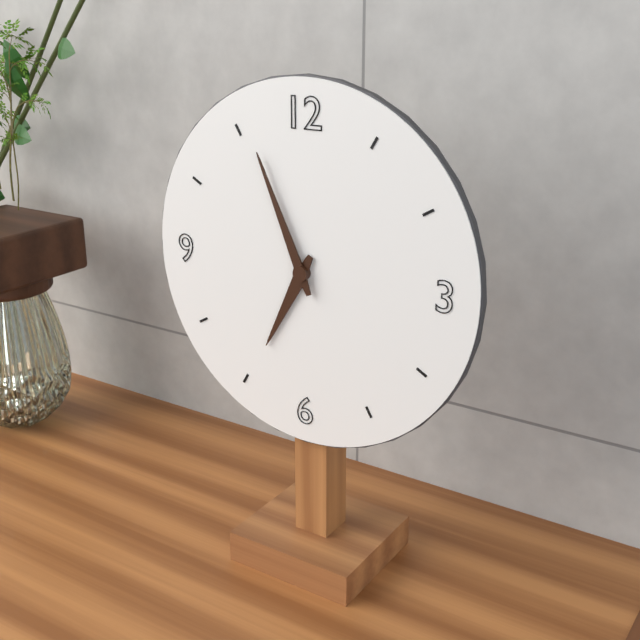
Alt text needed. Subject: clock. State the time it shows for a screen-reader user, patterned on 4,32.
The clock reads 6,56
